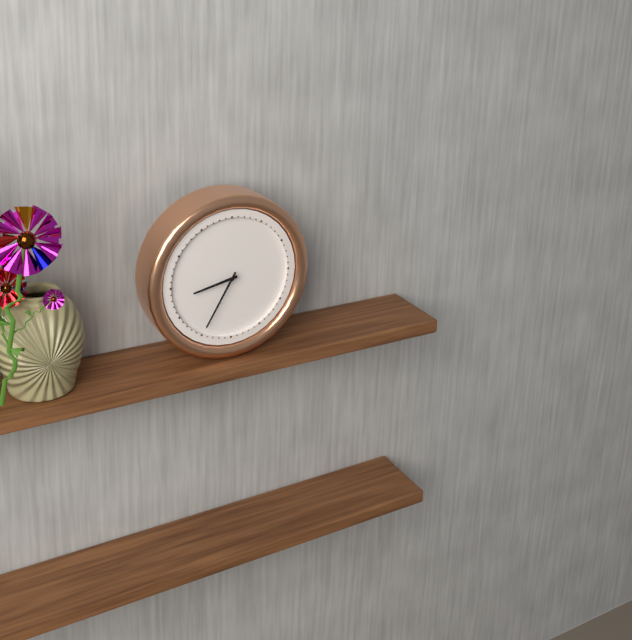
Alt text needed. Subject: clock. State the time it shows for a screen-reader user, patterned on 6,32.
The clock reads 8,35
